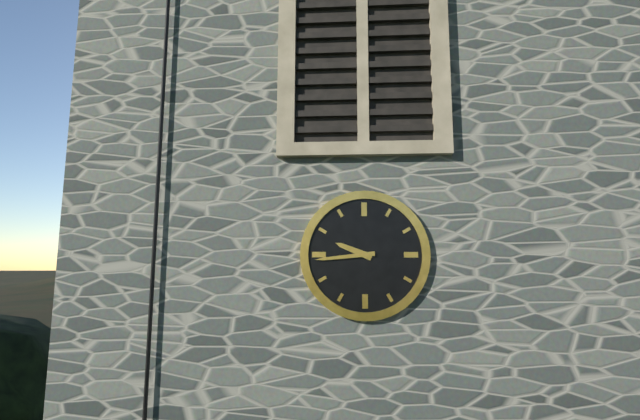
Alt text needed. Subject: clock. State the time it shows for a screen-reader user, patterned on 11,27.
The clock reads 9,44
